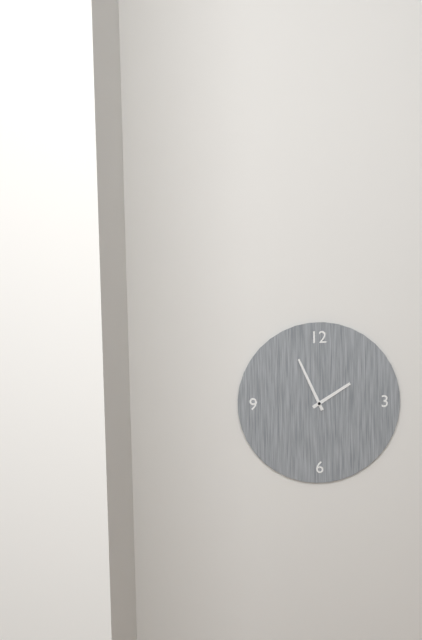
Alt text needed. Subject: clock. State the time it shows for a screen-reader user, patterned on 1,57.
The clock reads 1,56
